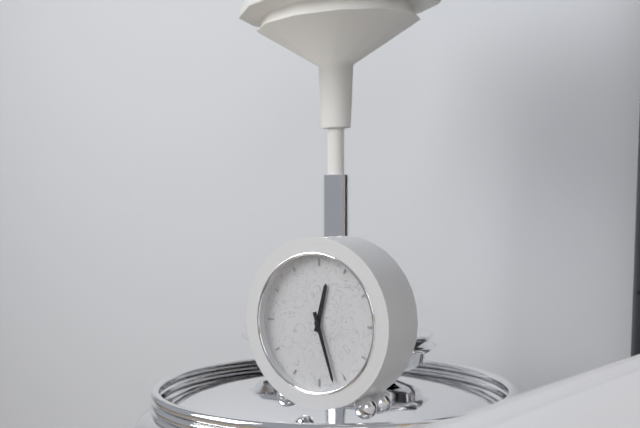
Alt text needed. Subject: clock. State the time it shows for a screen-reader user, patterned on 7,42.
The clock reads 12,27
